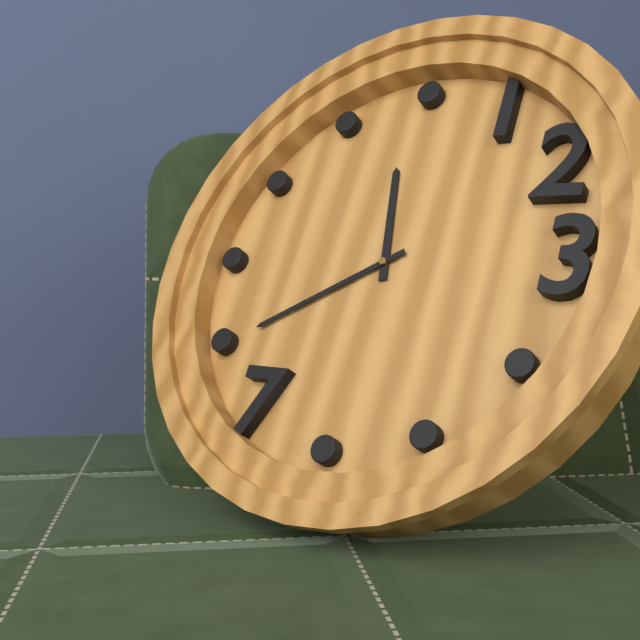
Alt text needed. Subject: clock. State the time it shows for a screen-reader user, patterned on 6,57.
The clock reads 11,40
